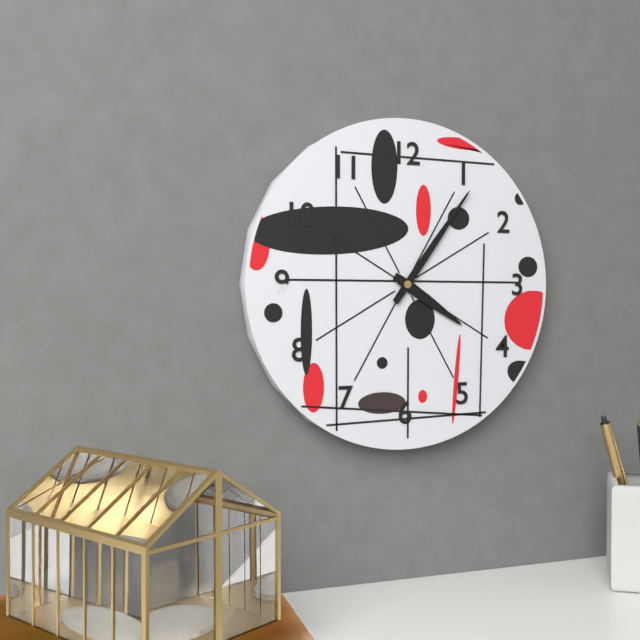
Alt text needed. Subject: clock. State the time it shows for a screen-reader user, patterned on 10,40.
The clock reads 4,06
